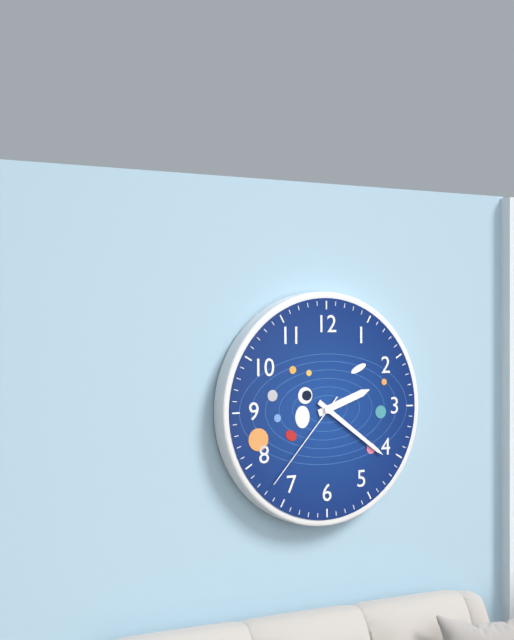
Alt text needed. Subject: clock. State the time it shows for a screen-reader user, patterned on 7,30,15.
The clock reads 2,21,37
